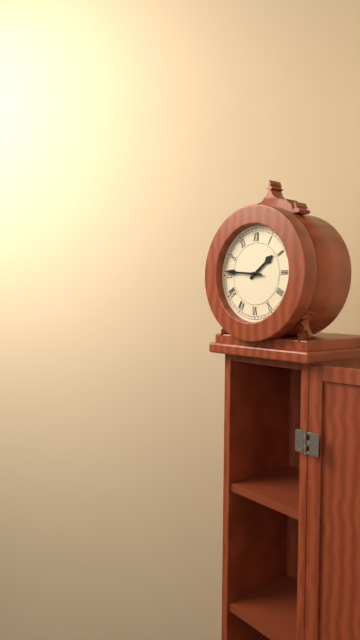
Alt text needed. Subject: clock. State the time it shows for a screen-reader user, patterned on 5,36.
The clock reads 1,46
